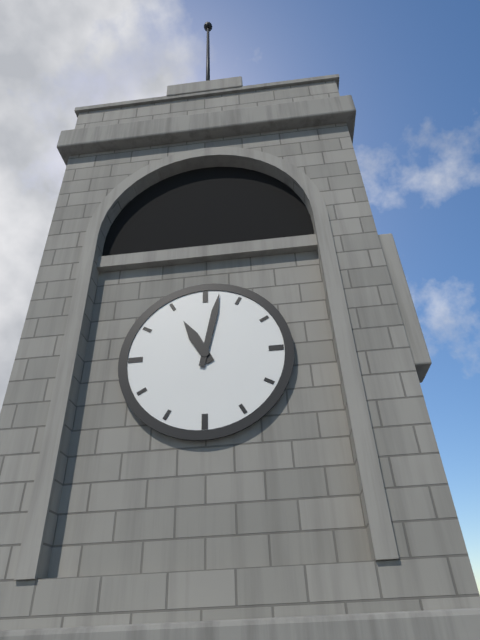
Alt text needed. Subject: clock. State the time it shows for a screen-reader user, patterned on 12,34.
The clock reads 11,02
